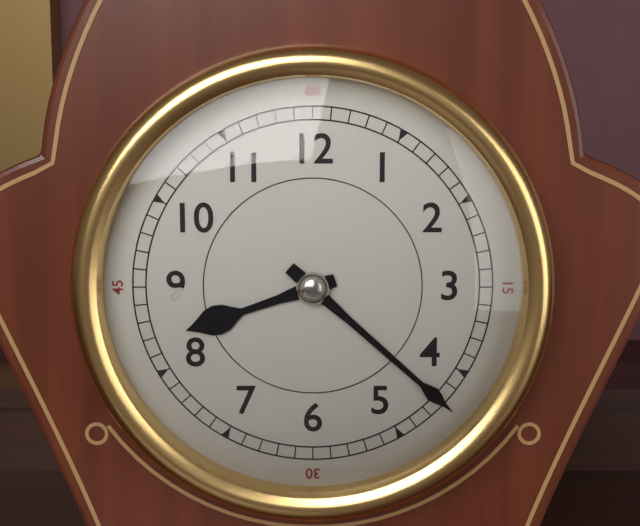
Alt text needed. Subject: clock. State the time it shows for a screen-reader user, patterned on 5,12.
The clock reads 8,22
